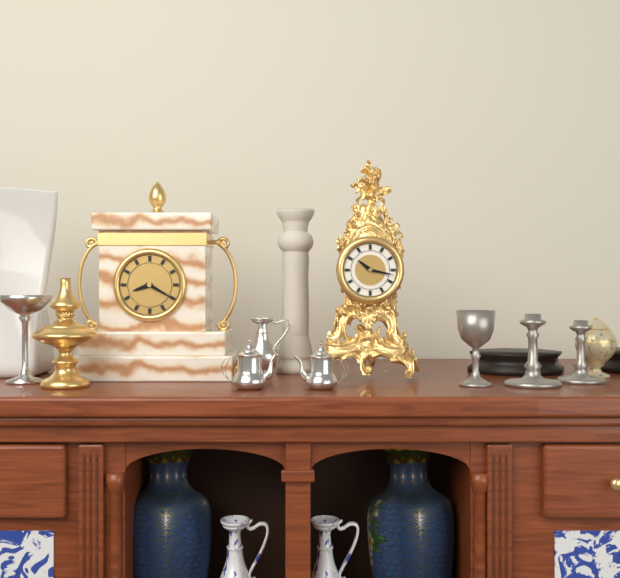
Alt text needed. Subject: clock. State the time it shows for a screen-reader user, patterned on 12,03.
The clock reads 10,17
